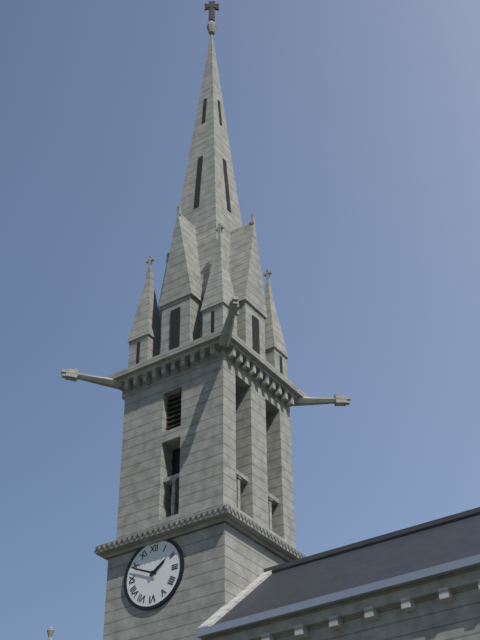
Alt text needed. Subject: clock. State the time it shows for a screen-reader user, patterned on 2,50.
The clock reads 1,49
